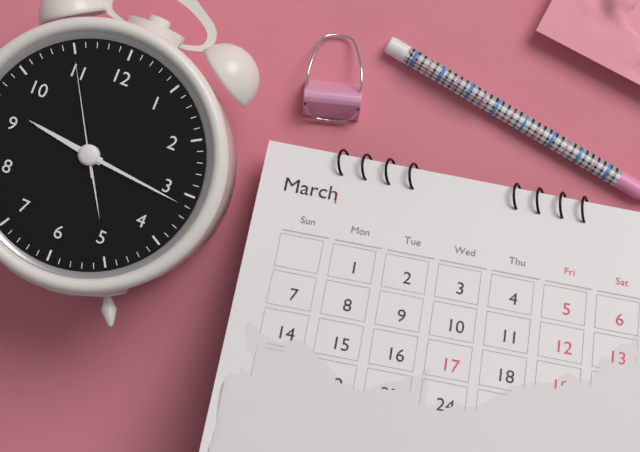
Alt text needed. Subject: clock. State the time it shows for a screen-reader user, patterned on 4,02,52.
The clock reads 9,16,55
